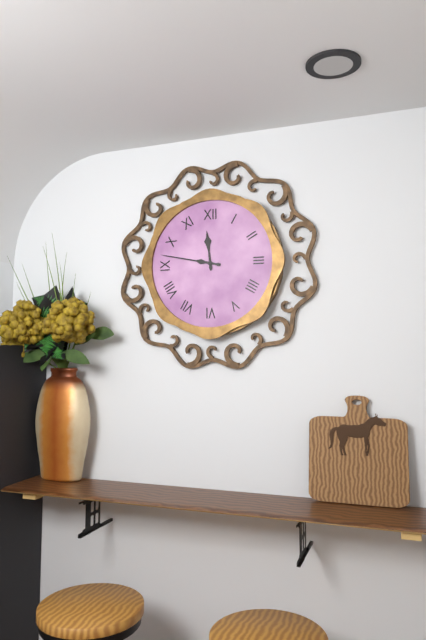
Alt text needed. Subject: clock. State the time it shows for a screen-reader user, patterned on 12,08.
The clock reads 11,47
